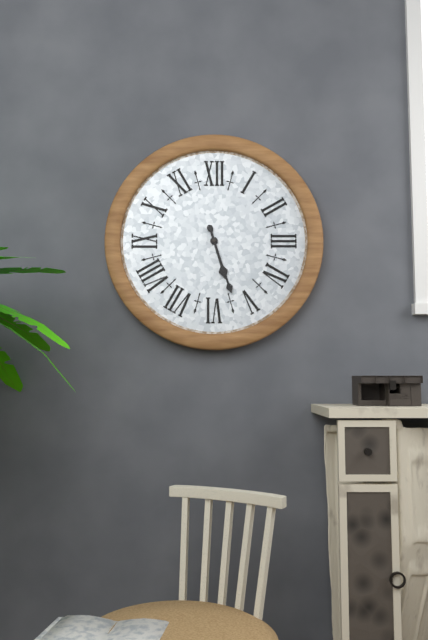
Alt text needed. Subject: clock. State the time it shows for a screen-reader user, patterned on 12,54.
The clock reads 5,27
